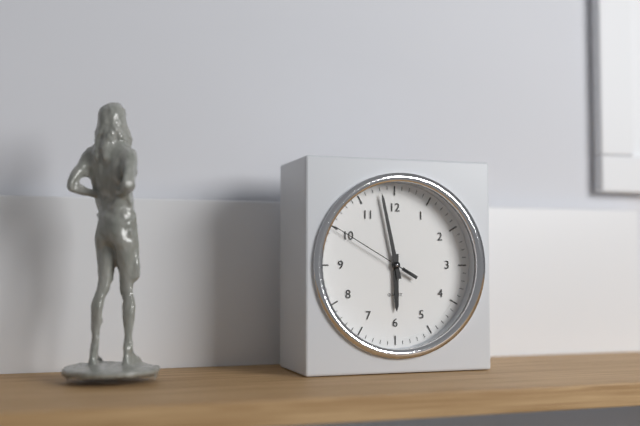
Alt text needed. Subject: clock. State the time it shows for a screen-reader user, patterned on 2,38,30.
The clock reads 5,58,50
